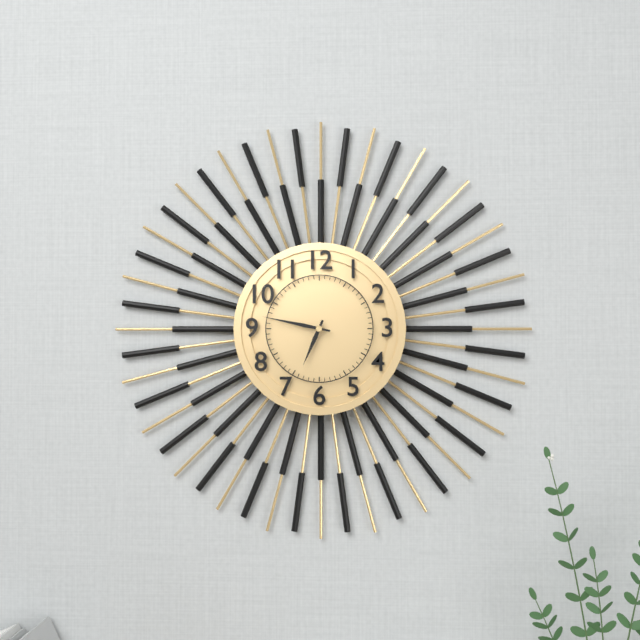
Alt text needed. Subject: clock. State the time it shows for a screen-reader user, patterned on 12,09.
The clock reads 6,47
